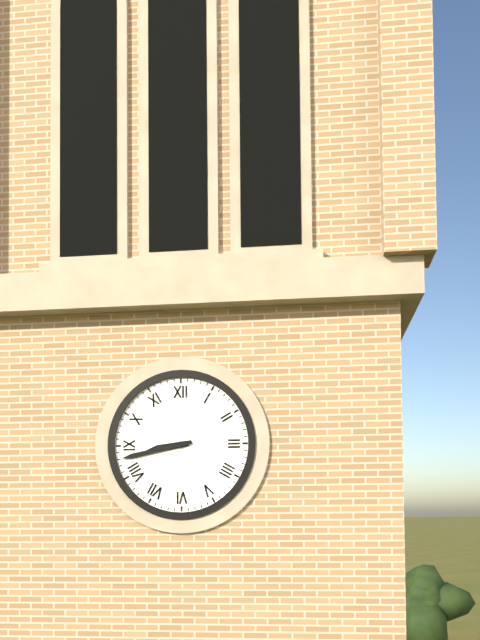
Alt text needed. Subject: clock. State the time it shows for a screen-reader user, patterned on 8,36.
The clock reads 8,43
